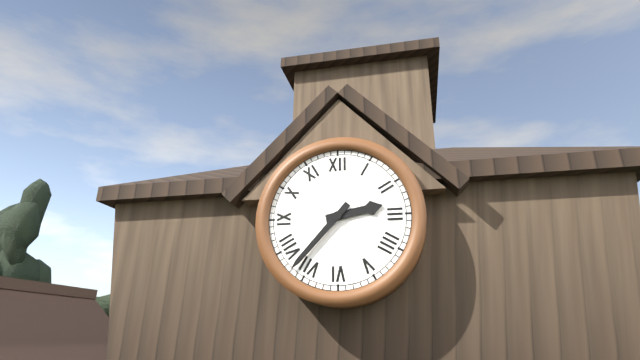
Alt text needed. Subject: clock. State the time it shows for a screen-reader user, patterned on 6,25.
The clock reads 2,37
